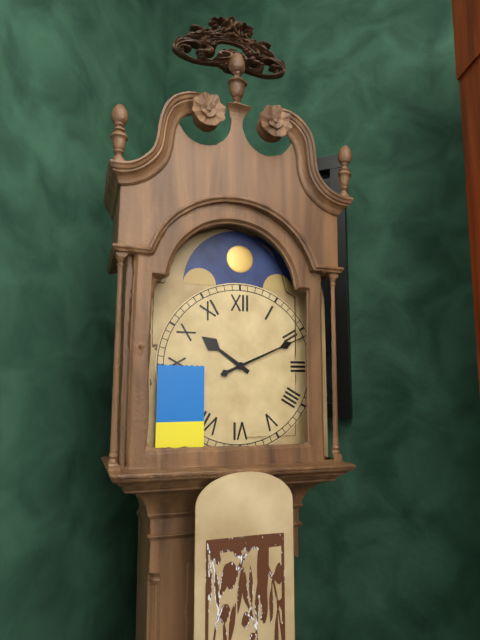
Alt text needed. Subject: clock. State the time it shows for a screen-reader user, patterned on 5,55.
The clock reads 10,11
